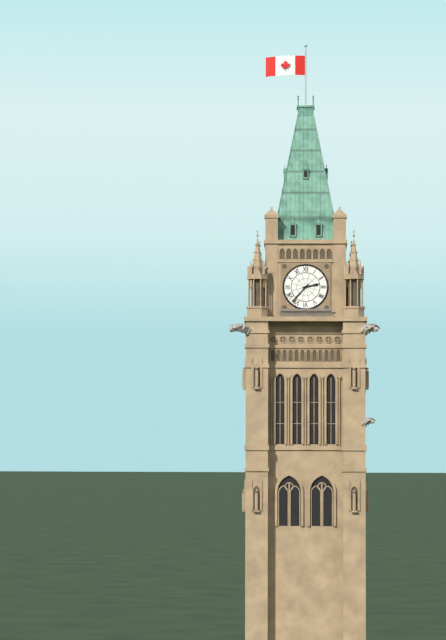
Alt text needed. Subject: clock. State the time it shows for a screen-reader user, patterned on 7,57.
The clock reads 2,37
